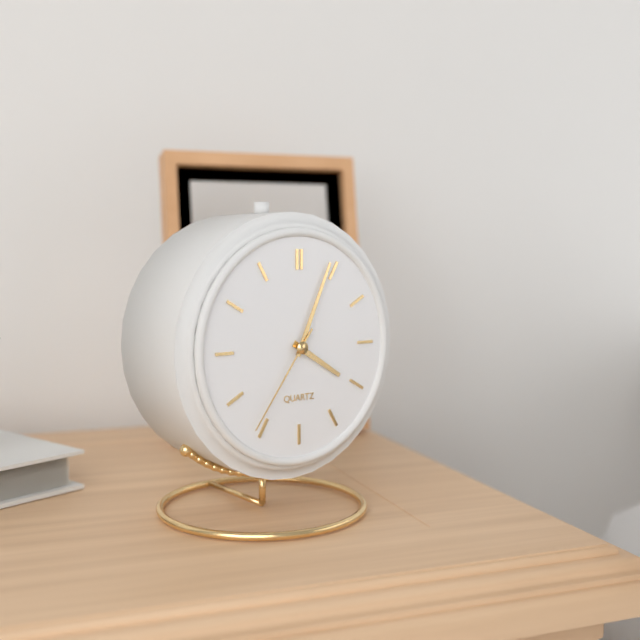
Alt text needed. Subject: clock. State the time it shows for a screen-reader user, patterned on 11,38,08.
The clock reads 4,04,36
